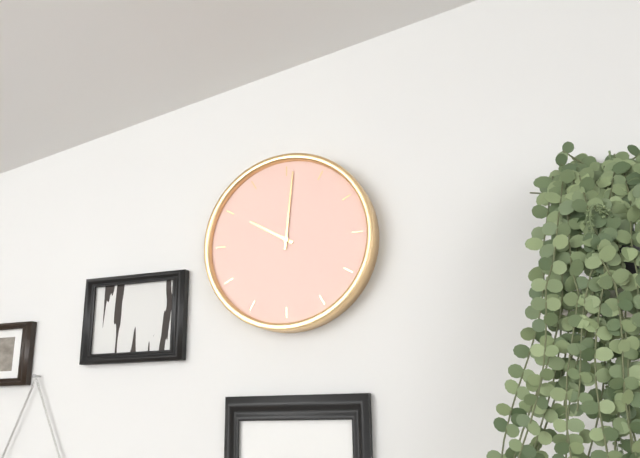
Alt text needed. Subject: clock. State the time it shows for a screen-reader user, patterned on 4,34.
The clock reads 10,01
